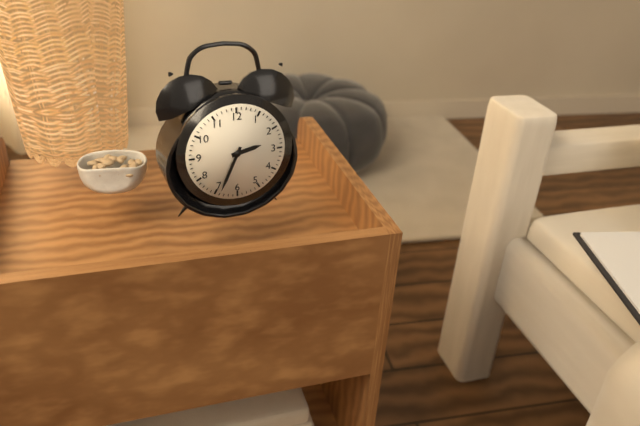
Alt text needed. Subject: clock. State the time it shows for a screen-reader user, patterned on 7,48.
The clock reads 2,34
